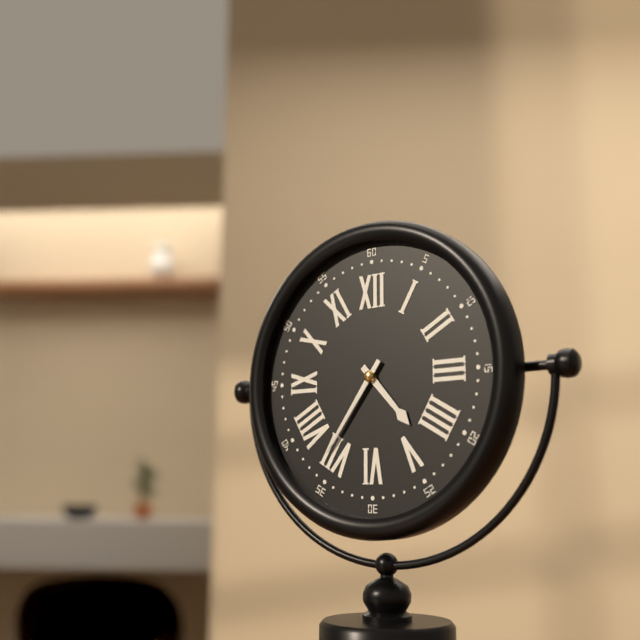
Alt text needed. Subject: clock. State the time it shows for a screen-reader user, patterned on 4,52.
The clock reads 4,36
